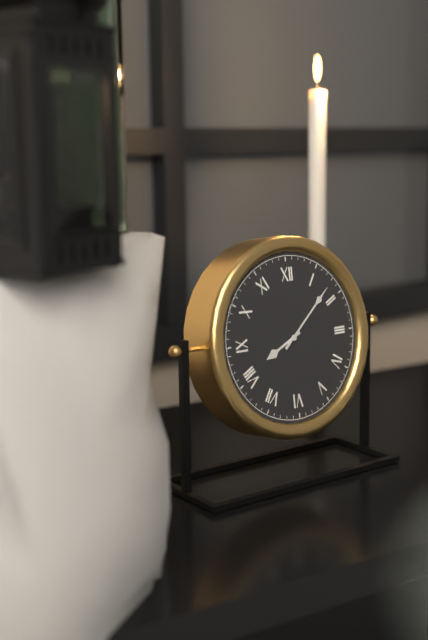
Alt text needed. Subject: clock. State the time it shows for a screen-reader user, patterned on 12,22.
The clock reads 8,08
